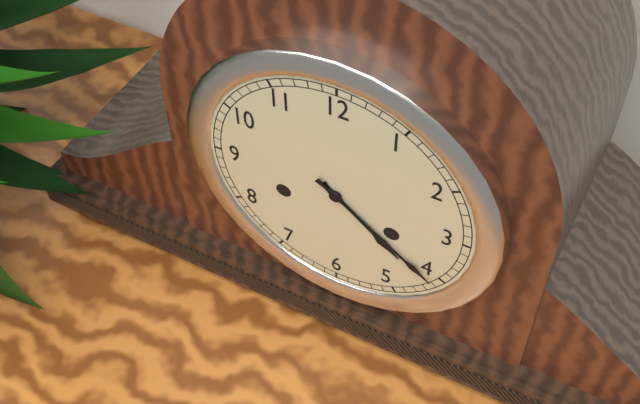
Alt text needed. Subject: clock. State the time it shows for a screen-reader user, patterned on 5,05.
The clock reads 4,21
